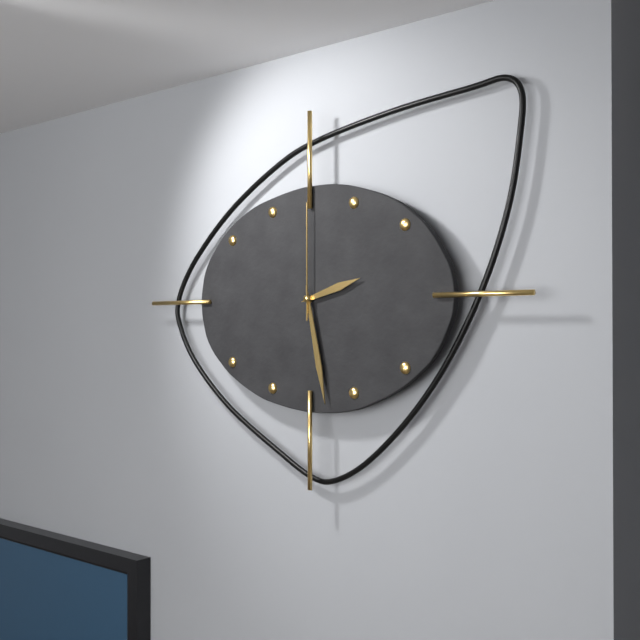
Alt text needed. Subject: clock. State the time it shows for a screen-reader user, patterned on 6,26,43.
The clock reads 2,28,00
